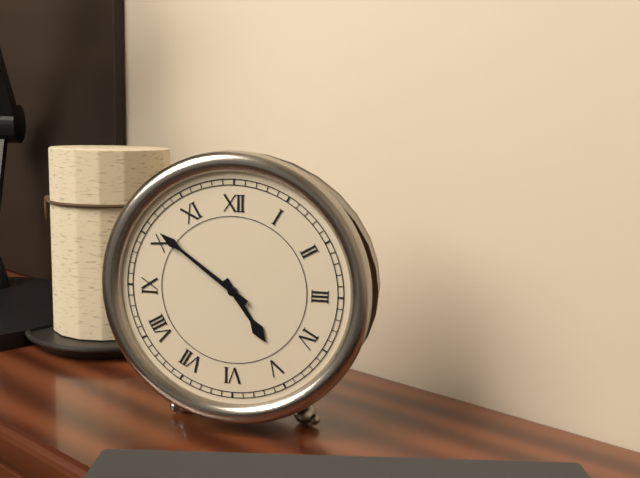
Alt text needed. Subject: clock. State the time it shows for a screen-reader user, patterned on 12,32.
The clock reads 4,51
